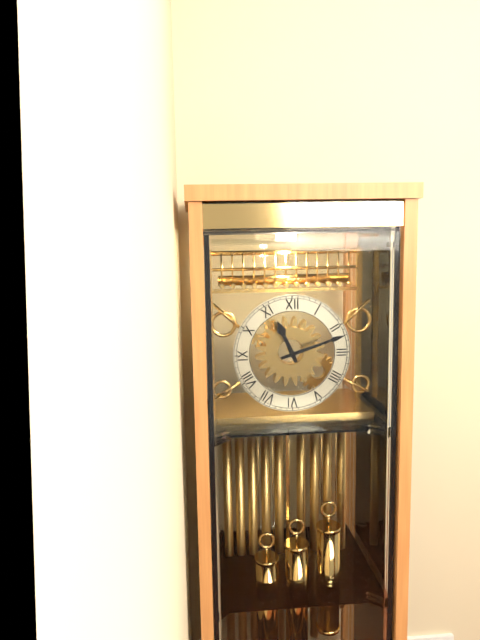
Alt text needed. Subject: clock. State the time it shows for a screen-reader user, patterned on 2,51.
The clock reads 11,12
